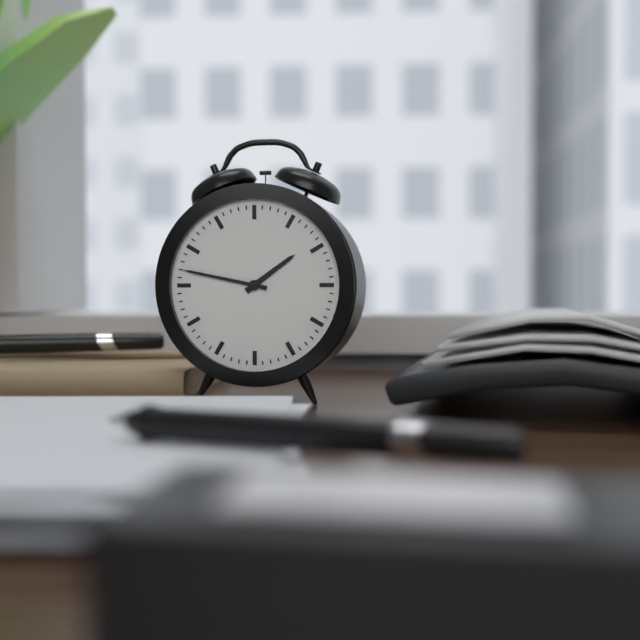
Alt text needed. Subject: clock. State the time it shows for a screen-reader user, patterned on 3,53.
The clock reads 1,47
